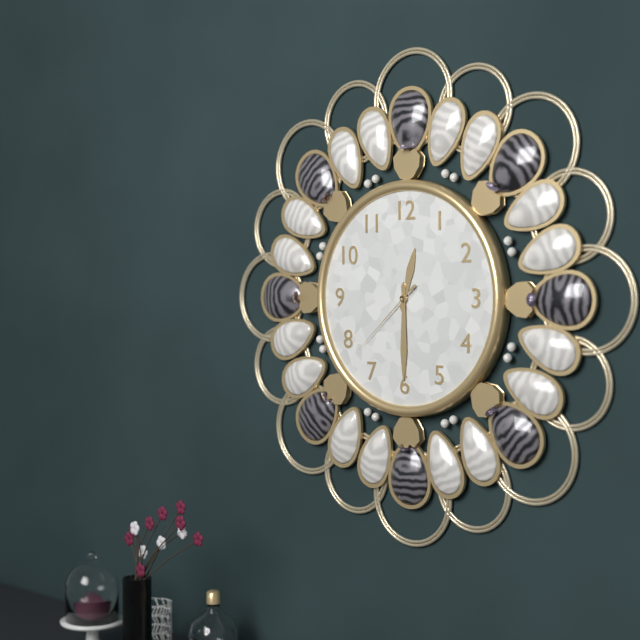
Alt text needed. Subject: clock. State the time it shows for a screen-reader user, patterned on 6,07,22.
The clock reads 12,30,38
